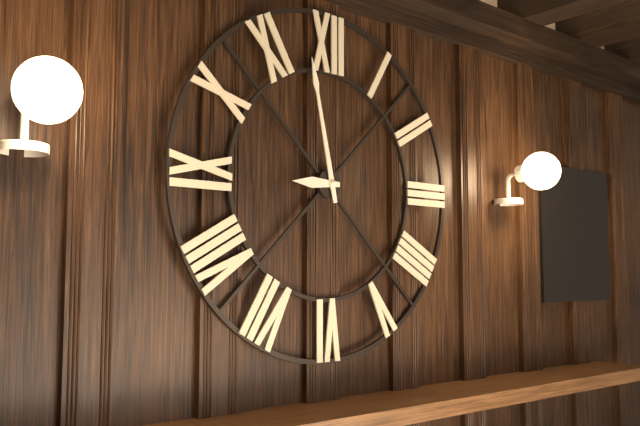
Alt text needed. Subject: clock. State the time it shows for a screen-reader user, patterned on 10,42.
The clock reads 8,58
